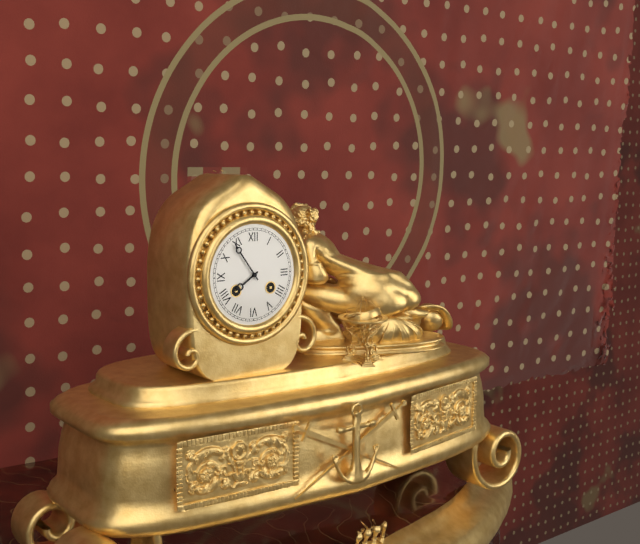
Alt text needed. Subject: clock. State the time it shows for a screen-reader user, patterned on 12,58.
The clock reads 7,54
